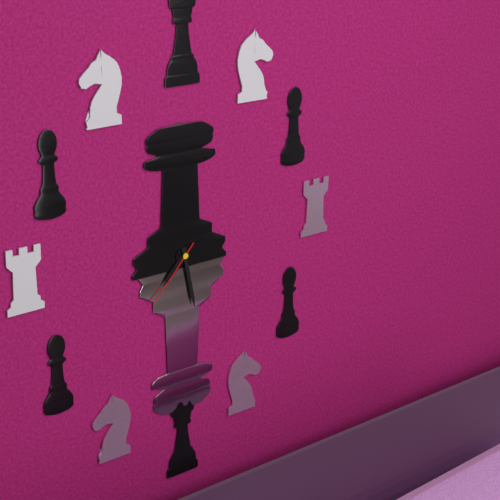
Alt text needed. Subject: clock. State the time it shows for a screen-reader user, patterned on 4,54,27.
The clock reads 7,28,37
